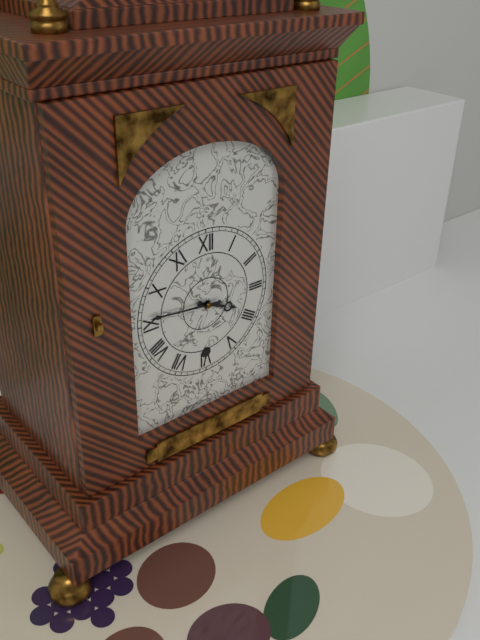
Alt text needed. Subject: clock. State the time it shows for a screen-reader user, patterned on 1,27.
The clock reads 3,46
